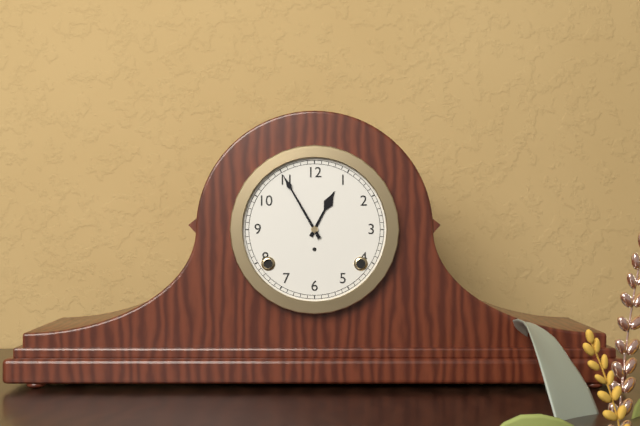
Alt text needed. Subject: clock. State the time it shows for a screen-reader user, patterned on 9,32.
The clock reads 12,55
